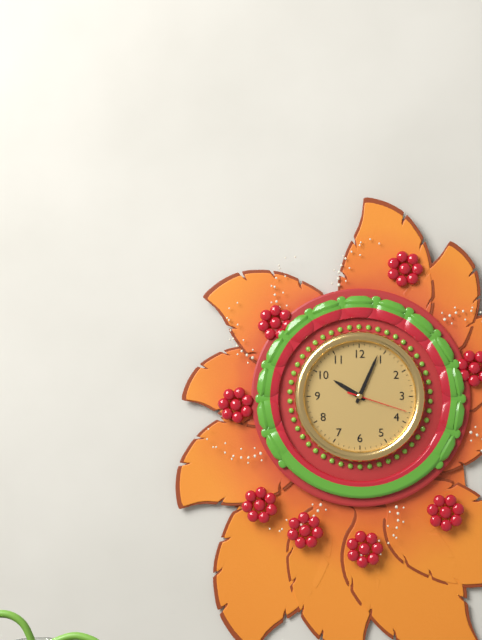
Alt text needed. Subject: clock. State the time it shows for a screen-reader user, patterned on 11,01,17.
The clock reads 10,04,18
